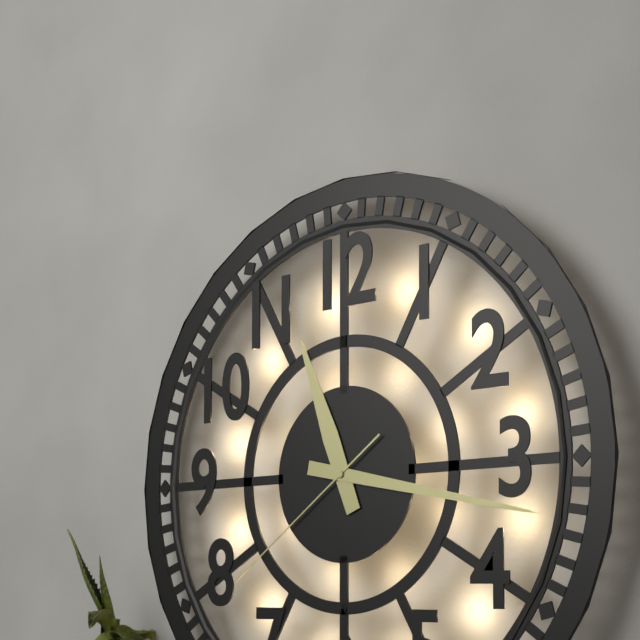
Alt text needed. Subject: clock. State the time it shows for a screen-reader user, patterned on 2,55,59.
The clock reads 11,17,39
